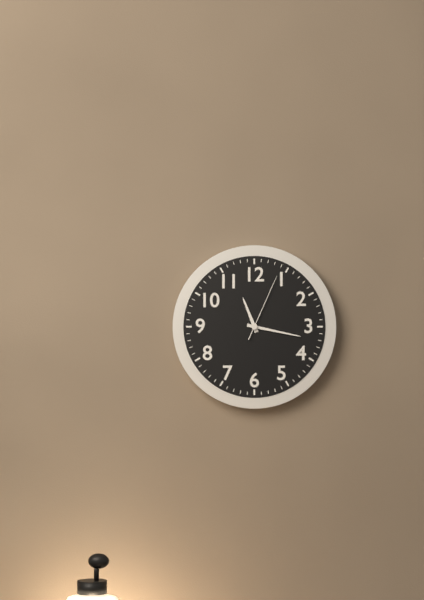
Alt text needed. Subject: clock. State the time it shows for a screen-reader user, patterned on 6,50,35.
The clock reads 11,17,04
